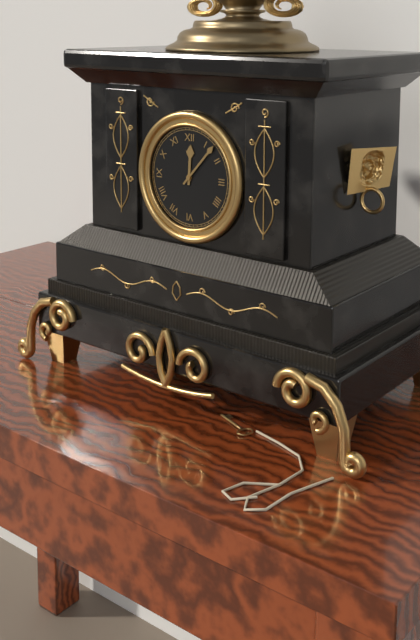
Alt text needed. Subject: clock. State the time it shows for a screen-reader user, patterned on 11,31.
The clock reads 12,07
